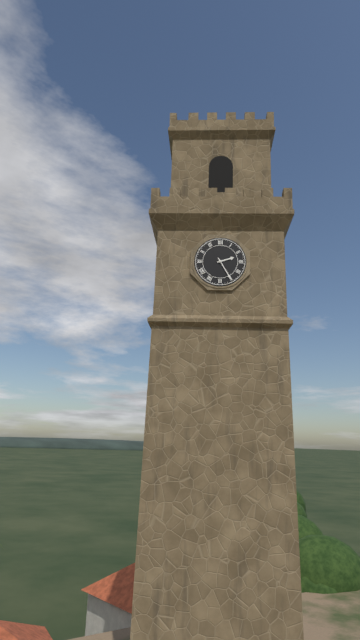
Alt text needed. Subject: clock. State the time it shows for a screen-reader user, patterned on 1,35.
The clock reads 2,25
